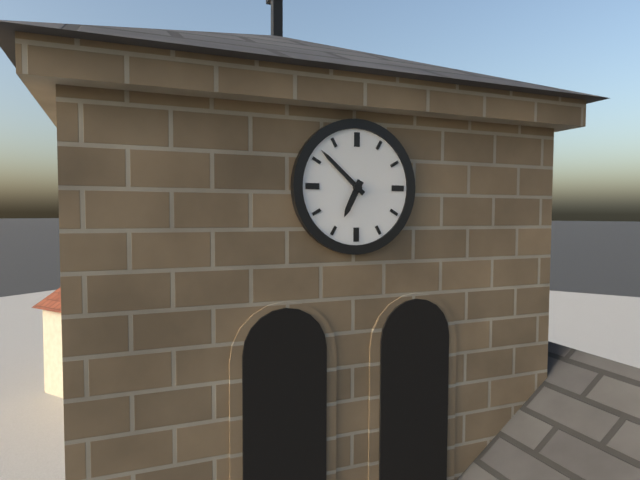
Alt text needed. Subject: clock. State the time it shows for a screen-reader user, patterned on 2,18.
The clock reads 6,52
